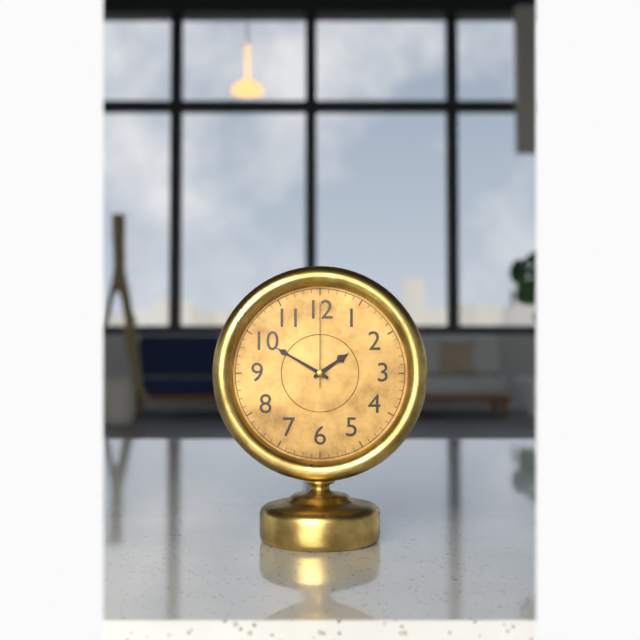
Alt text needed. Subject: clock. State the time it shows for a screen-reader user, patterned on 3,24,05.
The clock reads 1,50,00
